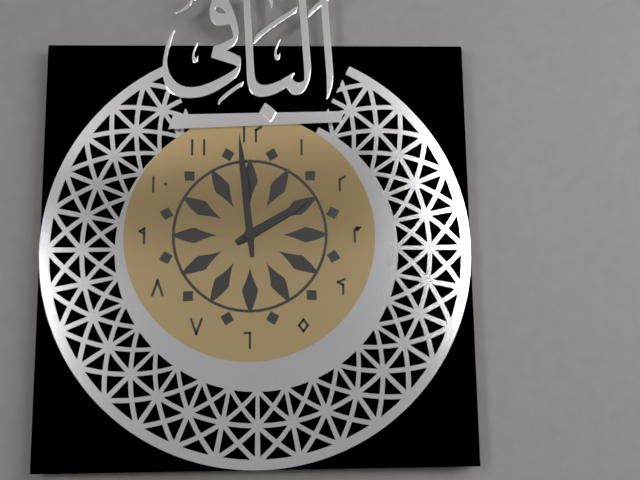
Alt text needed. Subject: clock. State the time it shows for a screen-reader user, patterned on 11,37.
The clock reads 1,59
